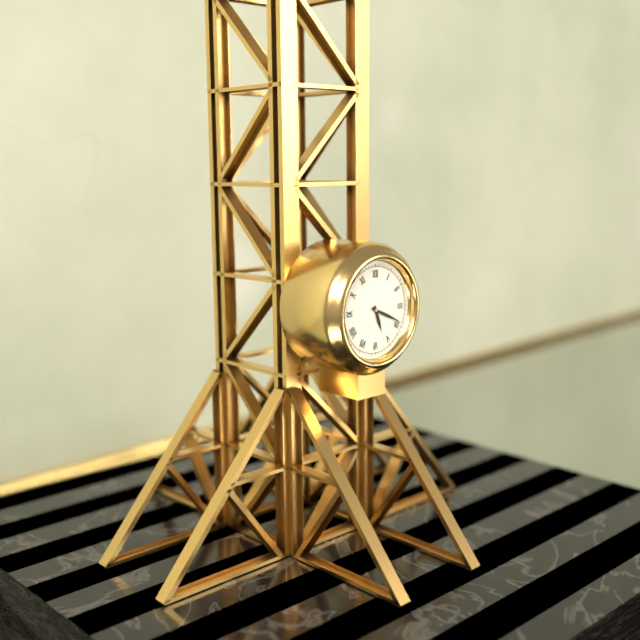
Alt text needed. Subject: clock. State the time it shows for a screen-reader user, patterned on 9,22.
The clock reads 5,19
